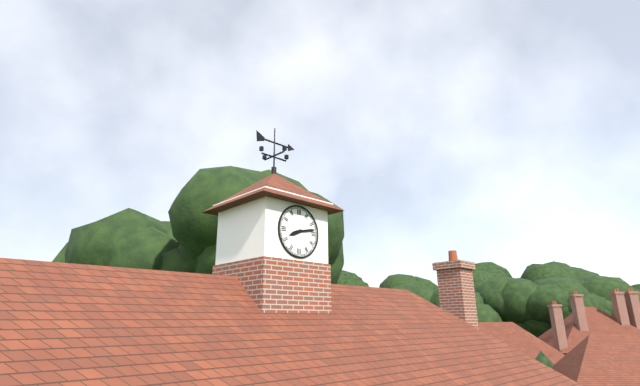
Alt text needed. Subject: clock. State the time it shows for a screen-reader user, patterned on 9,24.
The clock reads 8,13
